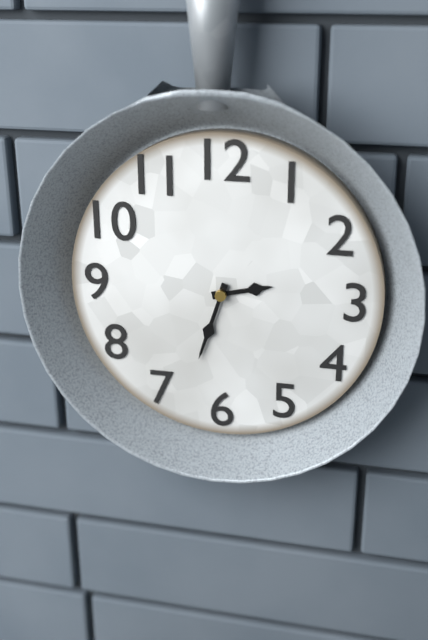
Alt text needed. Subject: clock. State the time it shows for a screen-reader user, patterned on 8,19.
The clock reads 2,33
